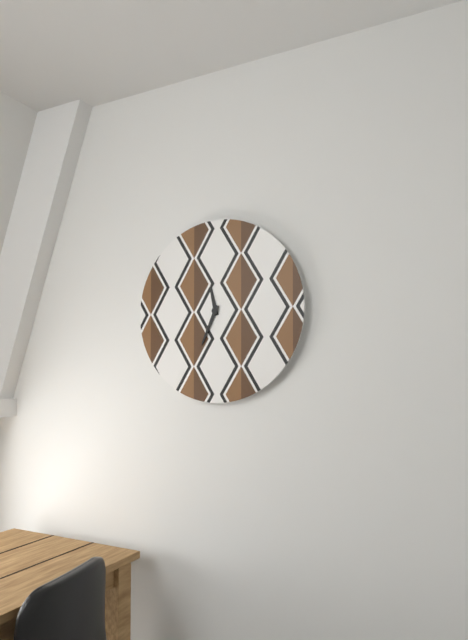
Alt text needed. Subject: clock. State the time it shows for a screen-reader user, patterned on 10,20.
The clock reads 11,34
